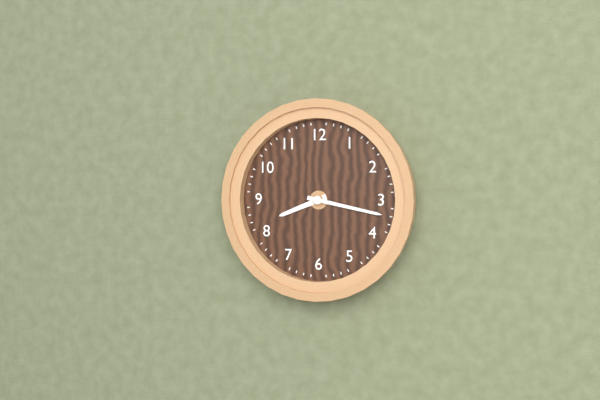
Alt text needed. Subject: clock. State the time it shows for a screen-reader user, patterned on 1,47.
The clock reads 8,17
